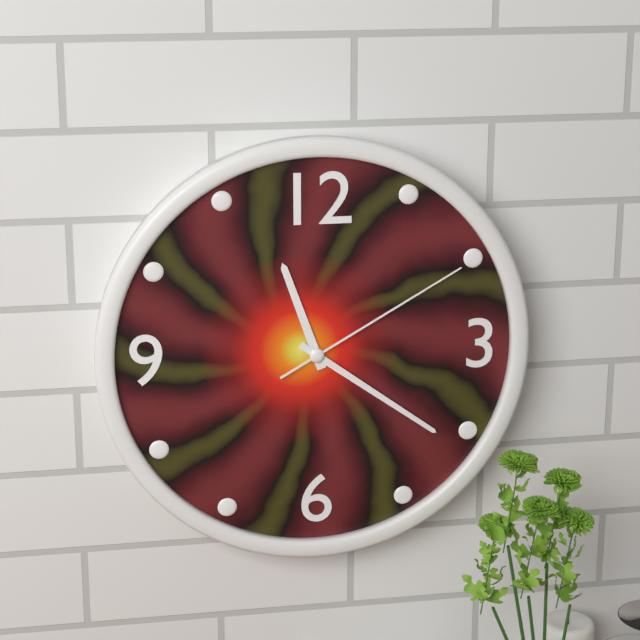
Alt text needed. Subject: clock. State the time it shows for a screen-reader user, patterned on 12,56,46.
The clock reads 11,21,10
